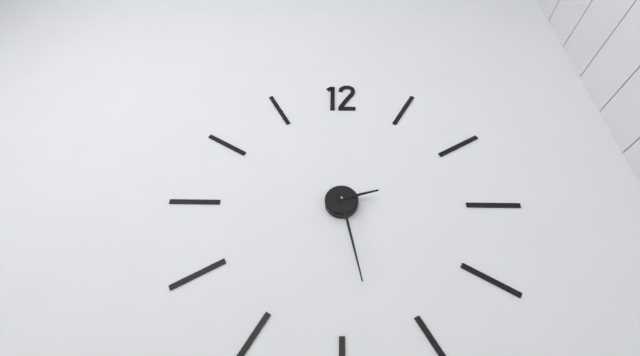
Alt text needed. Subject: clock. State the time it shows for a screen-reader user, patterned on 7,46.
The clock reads 2,28
